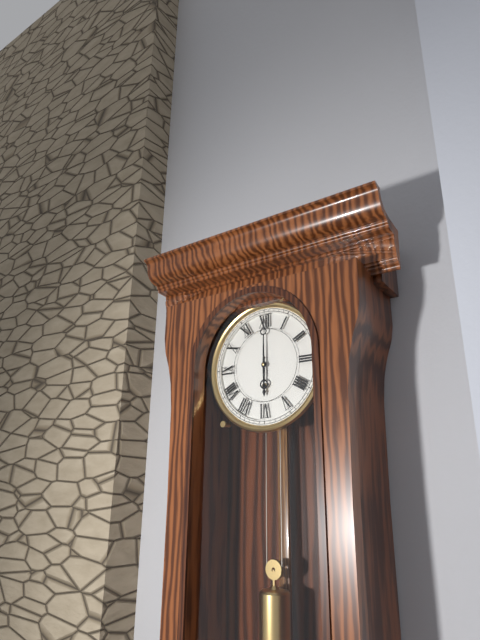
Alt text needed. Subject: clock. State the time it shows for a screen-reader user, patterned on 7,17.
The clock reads 6,00
